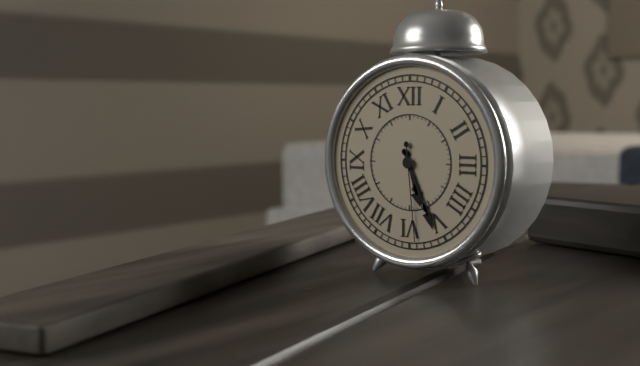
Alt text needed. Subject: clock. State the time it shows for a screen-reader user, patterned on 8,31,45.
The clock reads 5,26,29
